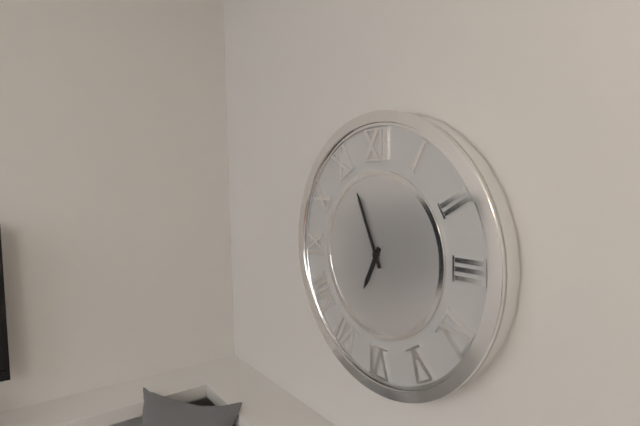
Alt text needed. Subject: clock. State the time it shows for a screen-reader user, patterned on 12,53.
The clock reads 6,56
